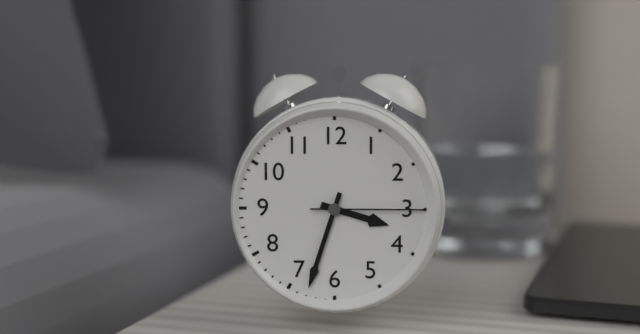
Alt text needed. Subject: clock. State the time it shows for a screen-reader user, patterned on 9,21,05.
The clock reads 3,33,15
